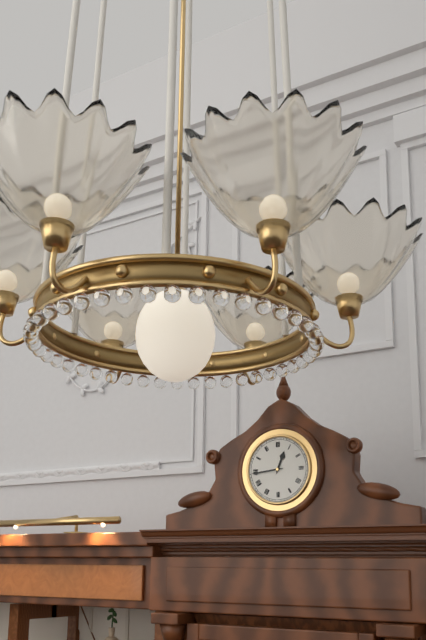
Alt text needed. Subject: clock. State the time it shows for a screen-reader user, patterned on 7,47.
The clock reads 12,44
